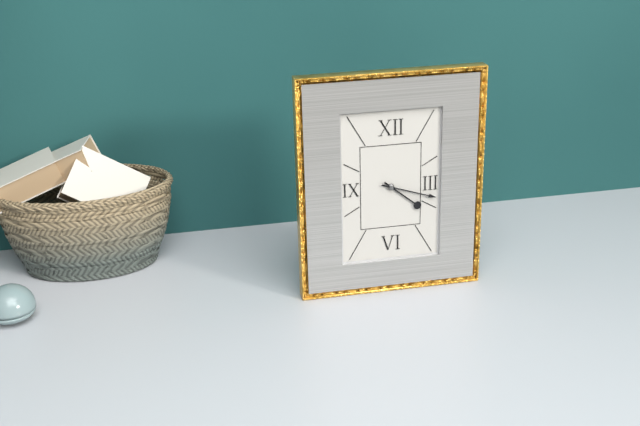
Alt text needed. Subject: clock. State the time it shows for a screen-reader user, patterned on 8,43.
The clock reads 4,18
